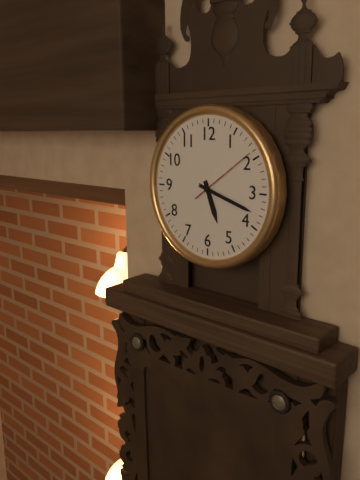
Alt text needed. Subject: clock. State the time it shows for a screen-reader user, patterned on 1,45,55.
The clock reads 5,18,09
